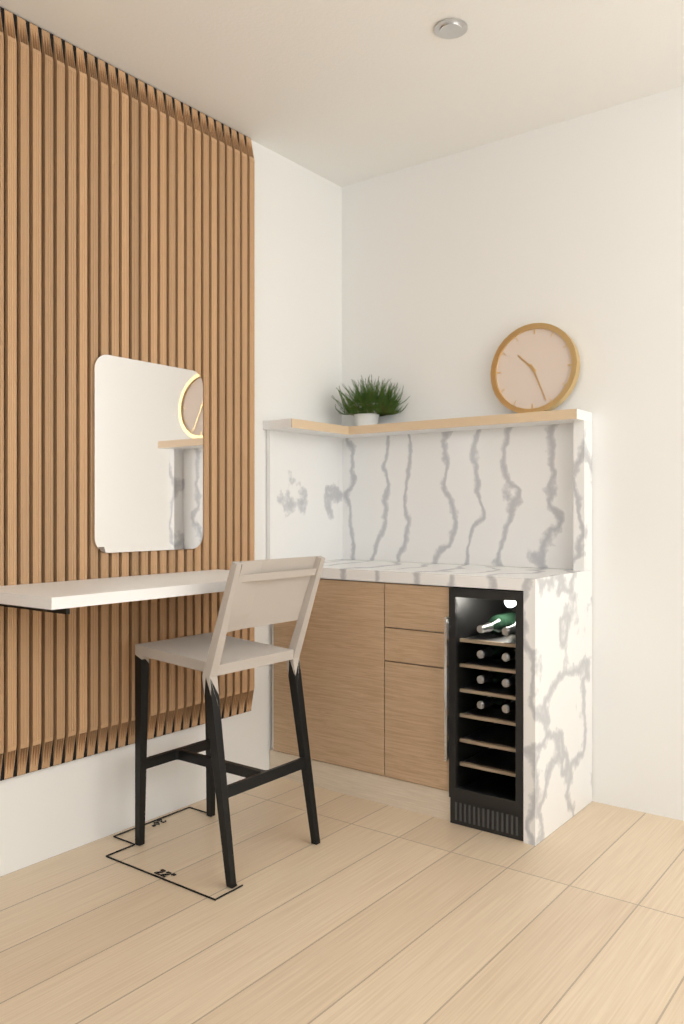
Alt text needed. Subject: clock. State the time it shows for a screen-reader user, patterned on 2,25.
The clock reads 10,26
